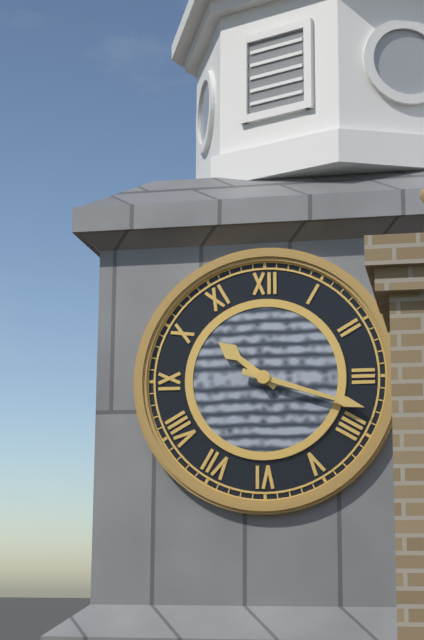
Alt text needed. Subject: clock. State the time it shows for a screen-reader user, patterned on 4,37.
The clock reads 10,18
